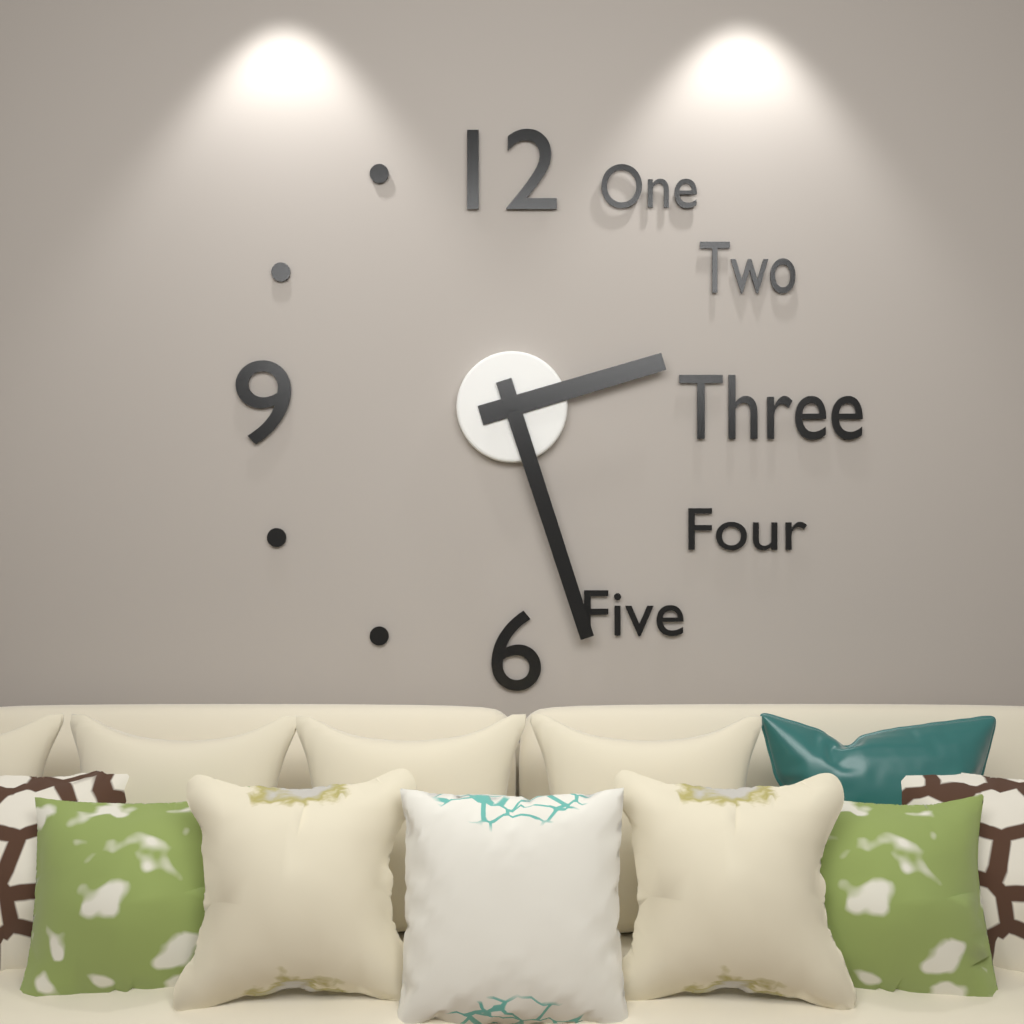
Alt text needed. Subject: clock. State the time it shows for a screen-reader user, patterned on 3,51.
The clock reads 2,27
